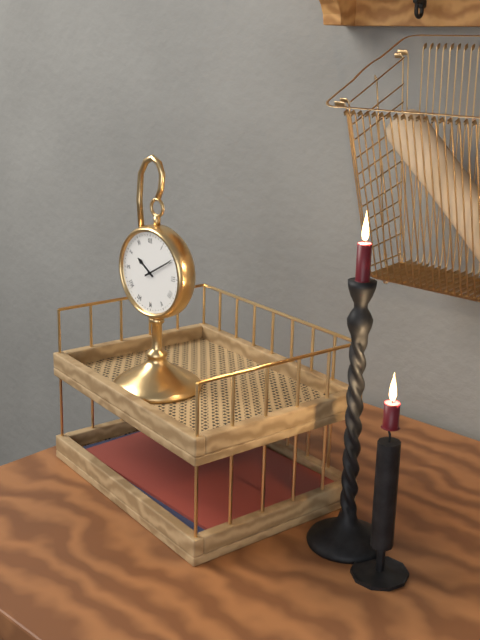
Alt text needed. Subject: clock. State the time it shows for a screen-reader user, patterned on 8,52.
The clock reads 10,10
